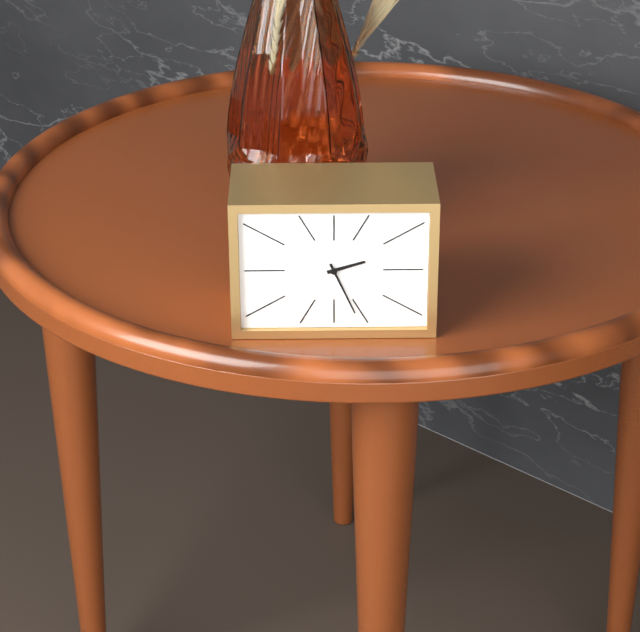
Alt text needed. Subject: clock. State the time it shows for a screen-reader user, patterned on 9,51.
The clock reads 2,26
